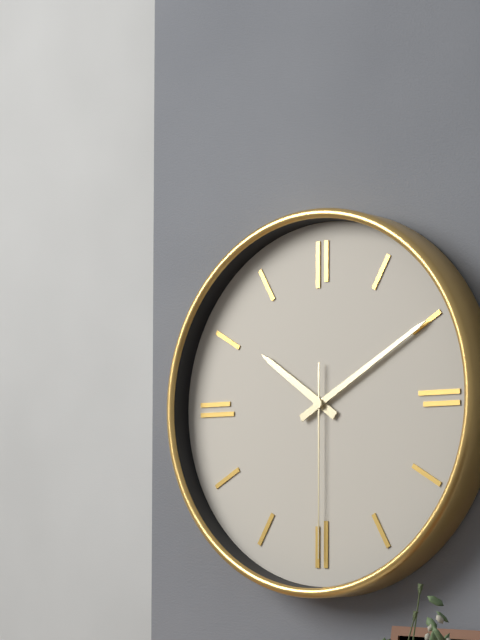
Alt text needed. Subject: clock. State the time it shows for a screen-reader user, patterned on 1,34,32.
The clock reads 10,10,30
